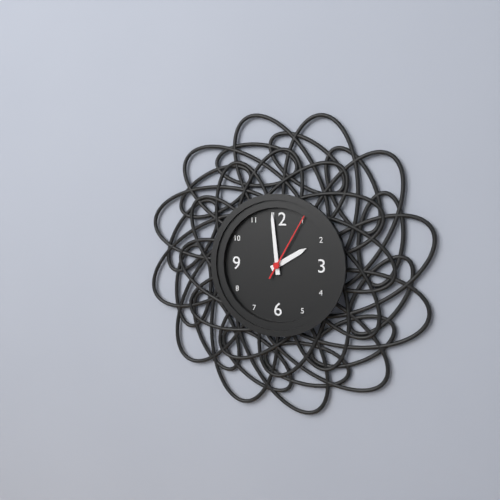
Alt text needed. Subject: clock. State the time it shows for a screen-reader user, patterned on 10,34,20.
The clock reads 1,59,05
